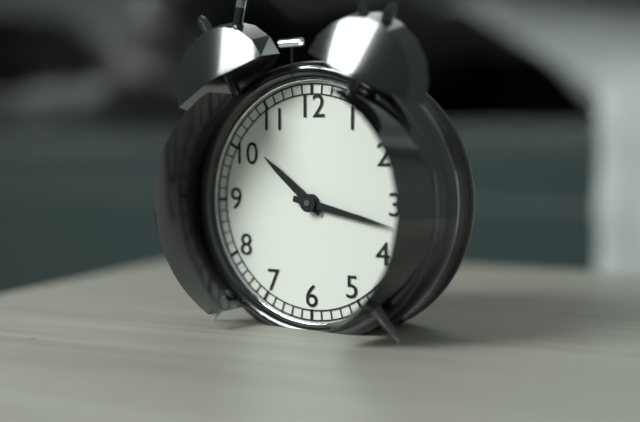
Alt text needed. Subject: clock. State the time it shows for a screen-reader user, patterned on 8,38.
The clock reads 10,17
